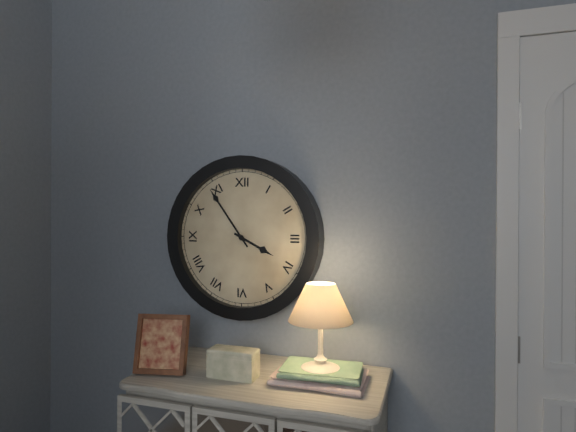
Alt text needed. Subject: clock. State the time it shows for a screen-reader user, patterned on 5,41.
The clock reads 3,54
